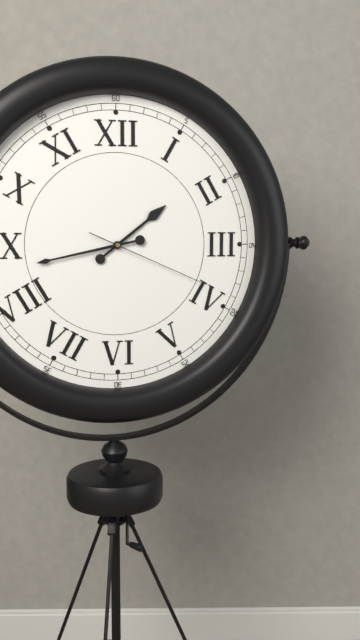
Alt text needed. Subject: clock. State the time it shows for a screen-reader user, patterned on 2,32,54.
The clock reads 1,43,19
